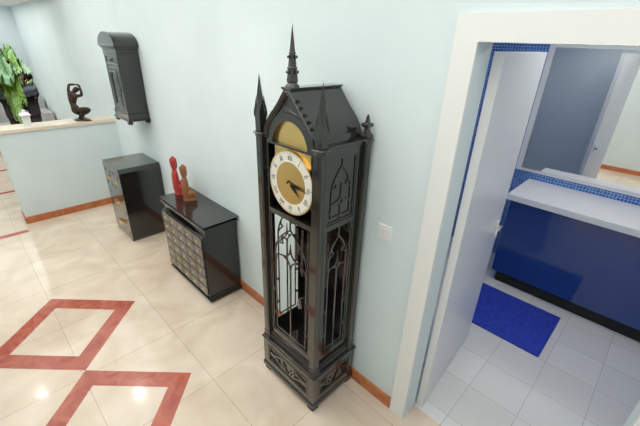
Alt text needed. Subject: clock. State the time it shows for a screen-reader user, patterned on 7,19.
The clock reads 4,16
